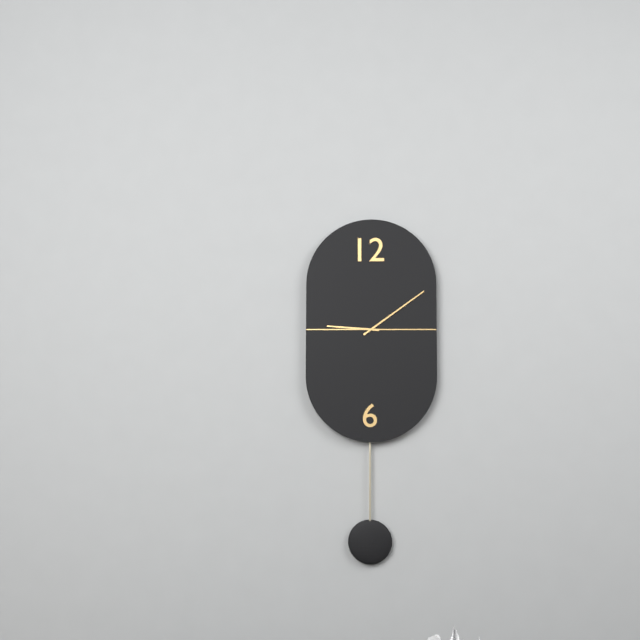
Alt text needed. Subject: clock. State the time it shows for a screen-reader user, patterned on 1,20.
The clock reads 9,09
